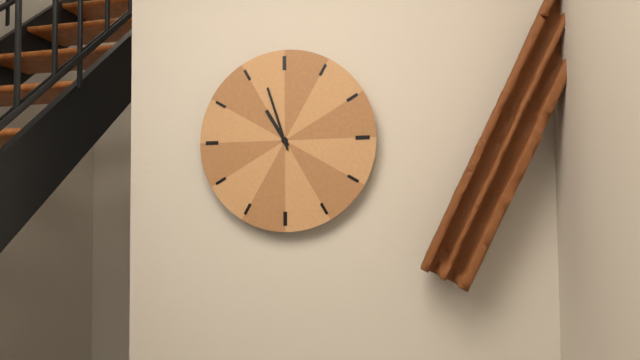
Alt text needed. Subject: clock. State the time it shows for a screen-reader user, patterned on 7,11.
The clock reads 10,57
